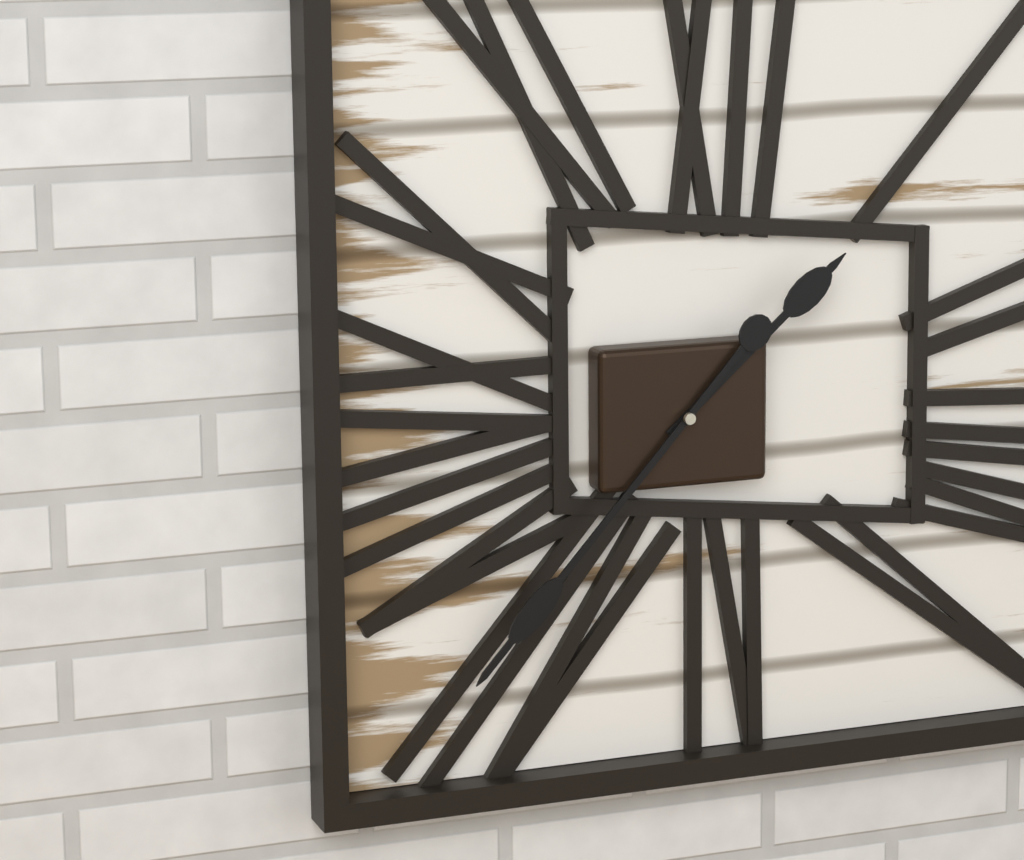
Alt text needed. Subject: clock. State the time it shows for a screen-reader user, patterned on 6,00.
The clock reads 1,37
